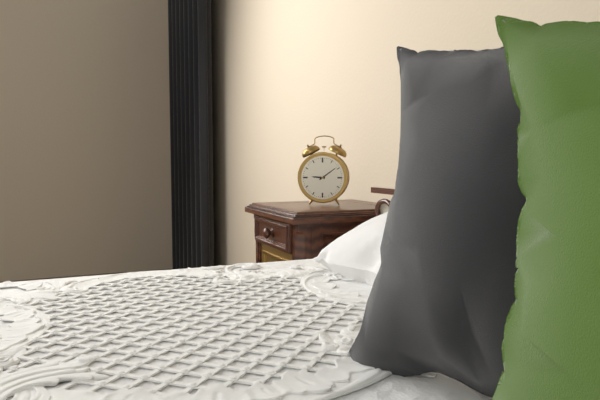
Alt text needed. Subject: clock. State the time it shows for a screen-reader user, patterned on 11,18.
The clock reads 9,09
